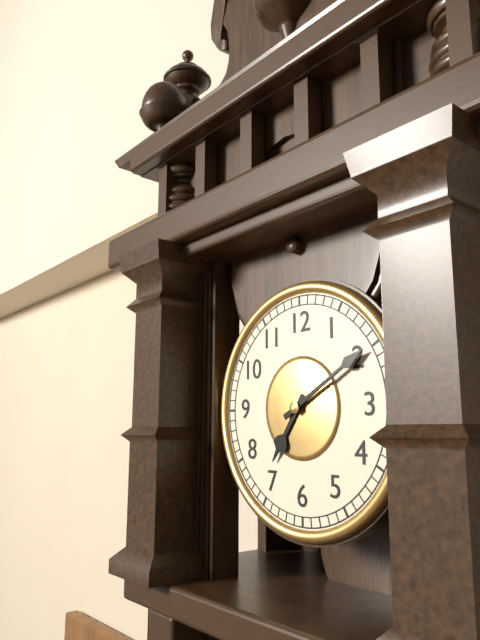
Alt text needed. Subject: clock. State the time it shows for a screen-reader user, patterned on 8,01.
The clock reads 7,10
